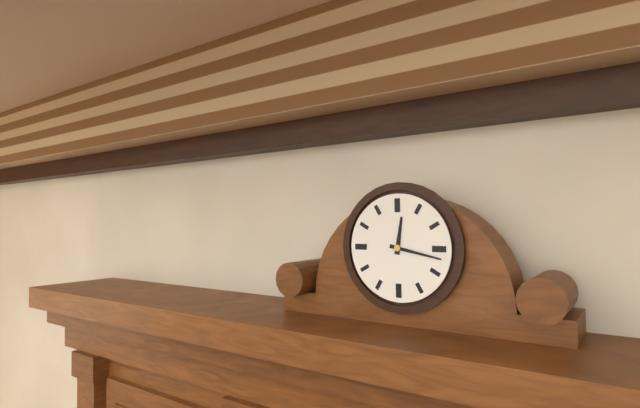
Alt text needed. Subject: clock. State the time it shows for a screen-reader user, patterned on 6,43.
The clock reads 12,17
